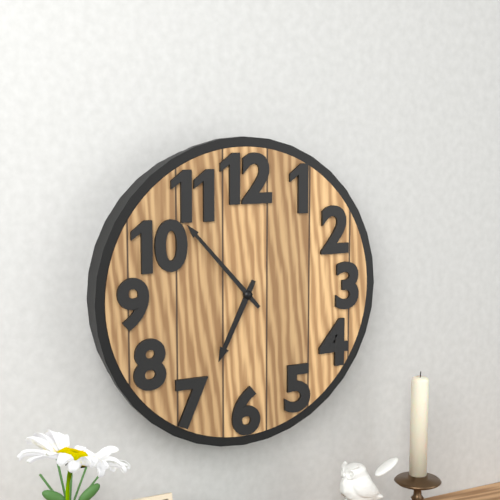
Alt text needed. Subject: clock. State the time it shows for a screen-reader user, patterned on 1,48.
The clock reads 6,53
